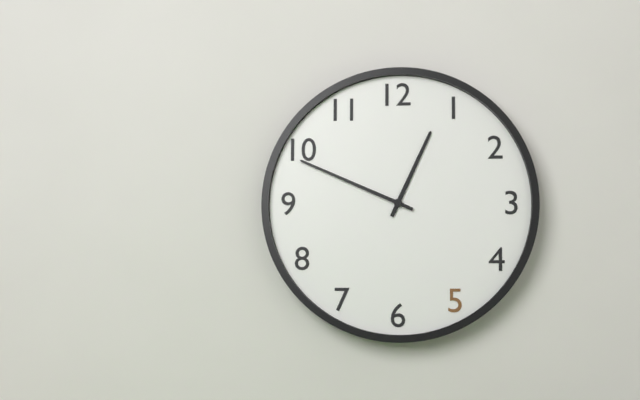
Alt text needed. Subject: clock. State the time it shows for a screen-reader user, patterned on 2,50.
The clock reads 12,49
